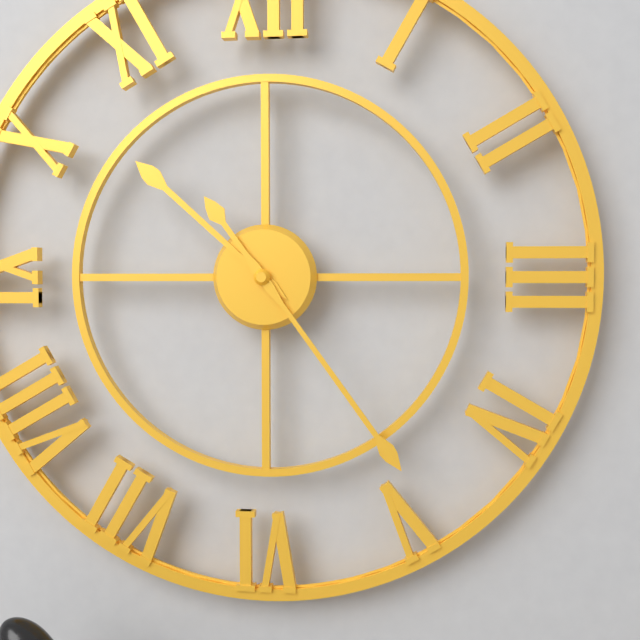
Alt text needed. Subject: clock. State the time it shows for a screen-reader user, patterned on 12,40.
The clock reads 10,24
